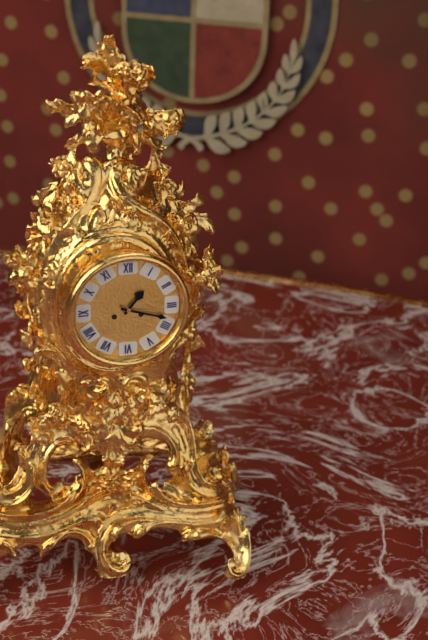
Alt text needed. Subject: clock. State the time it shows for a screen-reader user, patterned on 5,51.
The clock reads 1,18
